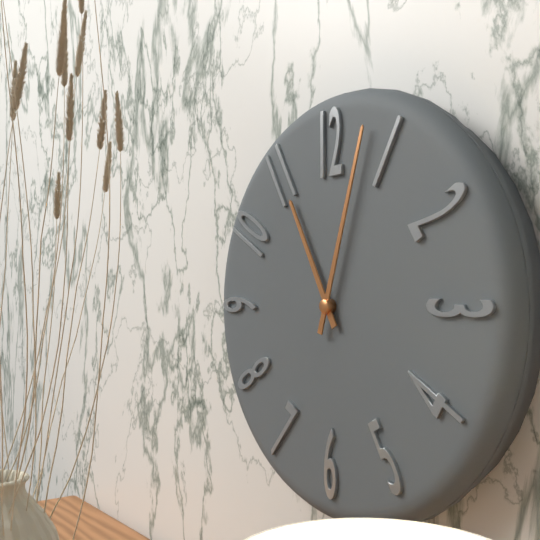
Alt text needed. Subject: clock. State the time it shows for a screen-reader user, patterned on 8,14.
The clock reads 11,03
